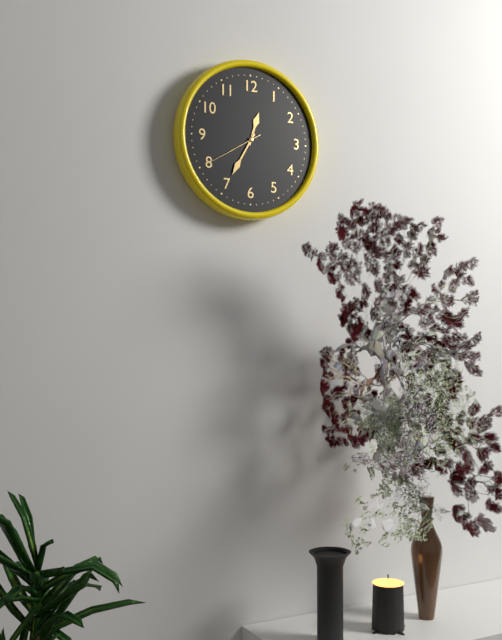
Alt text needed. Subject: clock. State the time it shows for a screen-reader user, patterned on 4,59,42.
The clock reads 12,35,40
